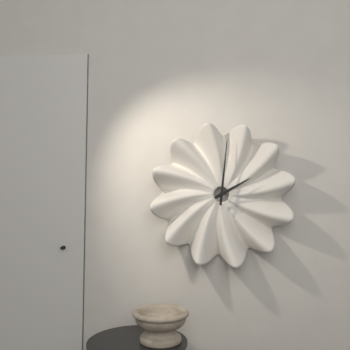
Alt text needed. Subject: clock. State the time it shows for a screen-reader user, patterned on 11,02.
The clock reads 2,01
